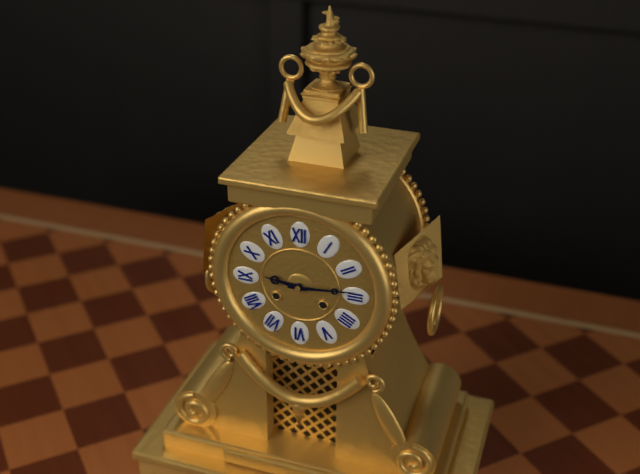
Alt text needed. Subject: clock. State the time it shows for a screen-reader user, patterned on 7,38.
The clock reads 9,14
